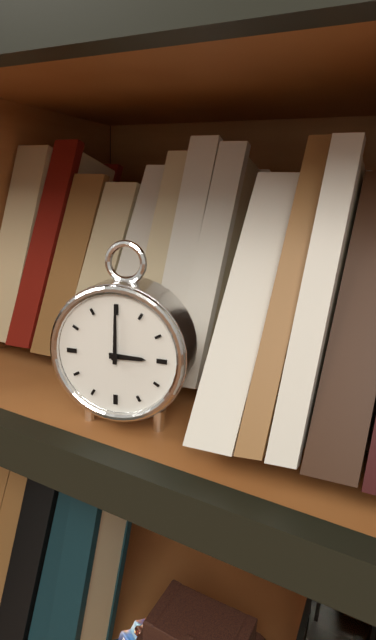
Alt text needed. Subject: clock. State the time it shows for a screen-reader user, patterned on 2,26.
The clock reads 3,00
